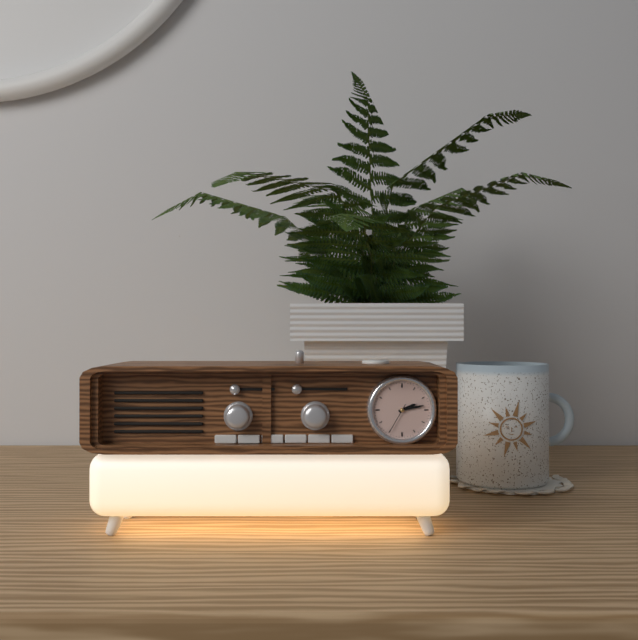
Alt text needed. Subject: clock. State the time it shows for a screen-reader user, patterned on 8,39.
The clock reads 2,13
